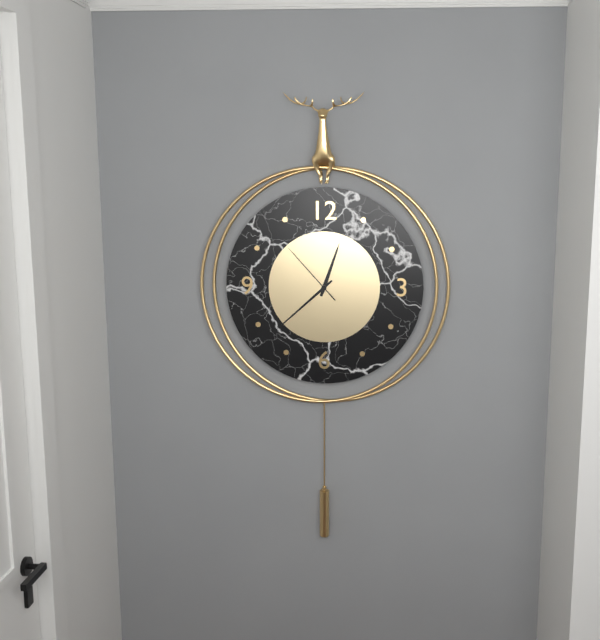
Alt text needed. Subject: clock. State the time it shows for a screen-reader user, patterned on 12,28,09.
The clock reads 12,38,53
